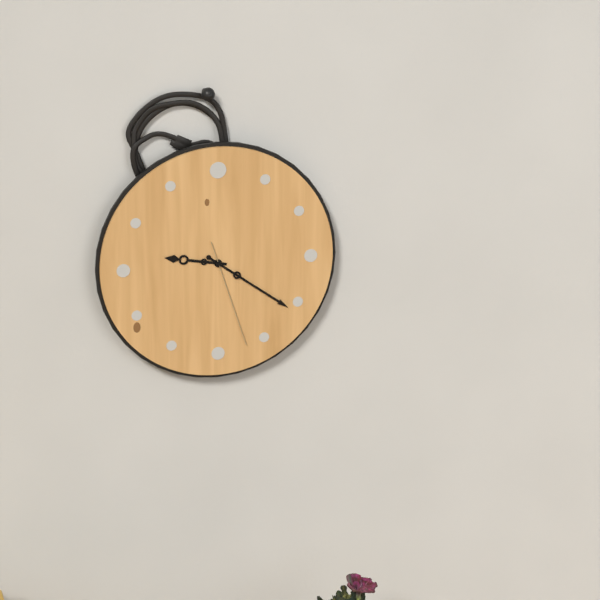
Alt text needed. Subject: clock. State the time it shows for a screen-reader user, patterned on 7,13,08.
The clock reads 9,21,27
